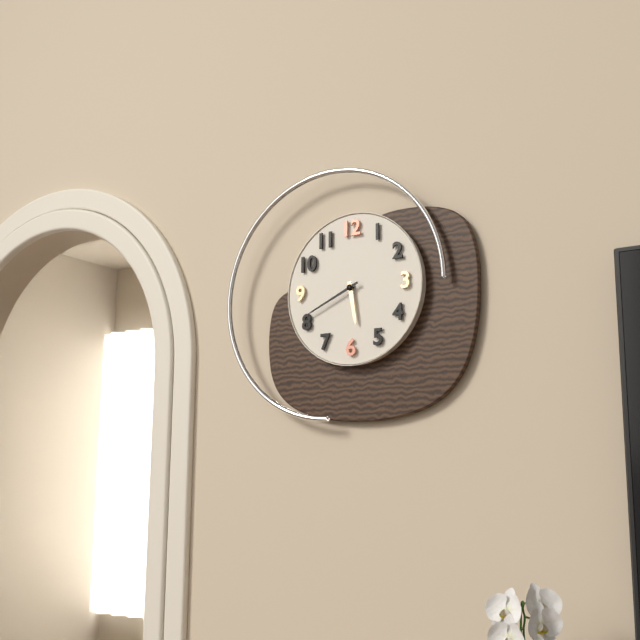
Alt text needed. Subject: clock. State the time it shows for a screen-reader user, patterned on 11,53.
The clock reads 5,41
